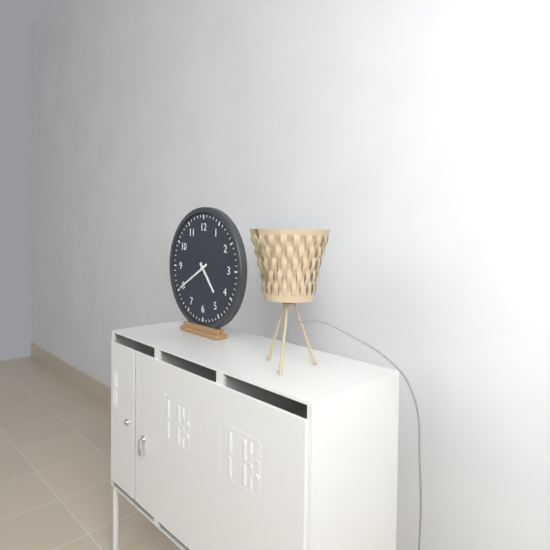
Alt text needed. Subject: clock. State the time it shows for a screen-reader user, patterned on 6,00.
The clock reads 4,40
